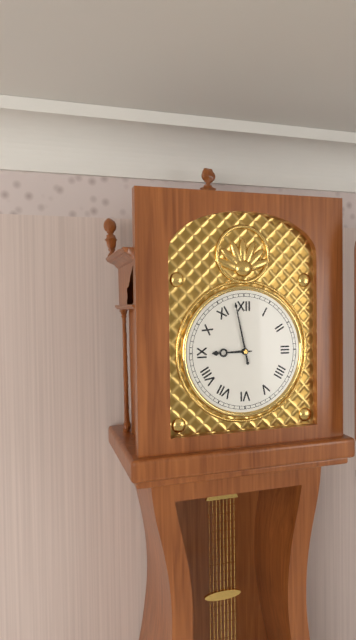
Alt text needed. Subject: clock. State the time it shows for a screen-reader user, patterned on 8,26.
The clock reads 8,58
